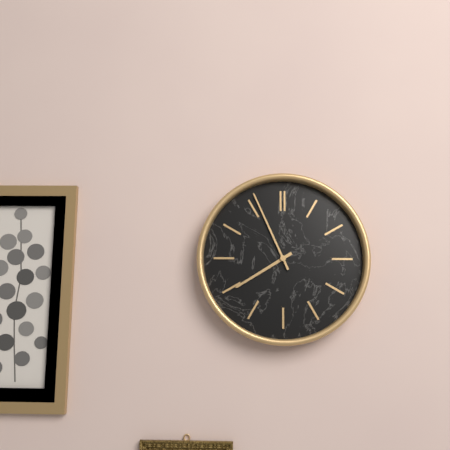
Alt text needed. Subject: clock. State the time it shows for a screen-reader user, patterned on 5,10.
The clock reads 7,56
